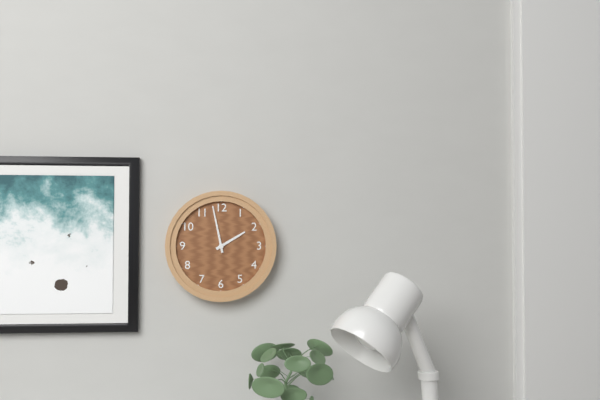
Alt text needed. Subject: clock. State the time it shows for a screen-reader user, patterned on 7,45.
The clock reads 1,58
